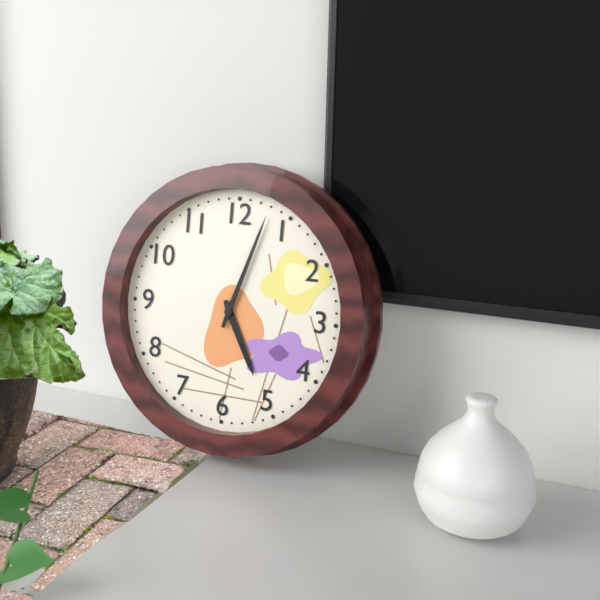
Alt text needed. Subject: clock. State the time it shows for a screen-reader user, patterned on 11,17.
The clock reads 5,03
